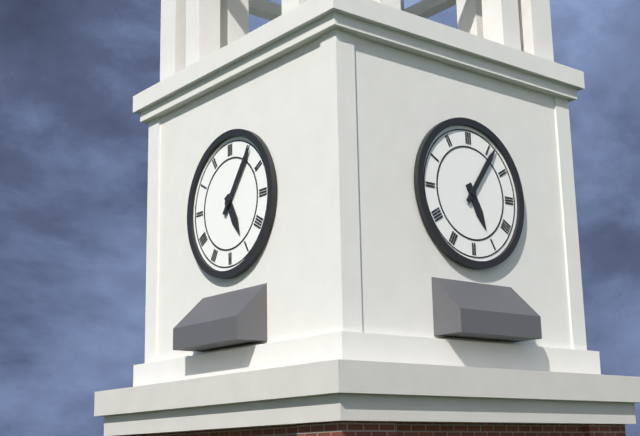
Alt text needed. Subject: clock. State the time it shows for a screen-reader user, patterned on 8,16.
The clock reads 5,06
